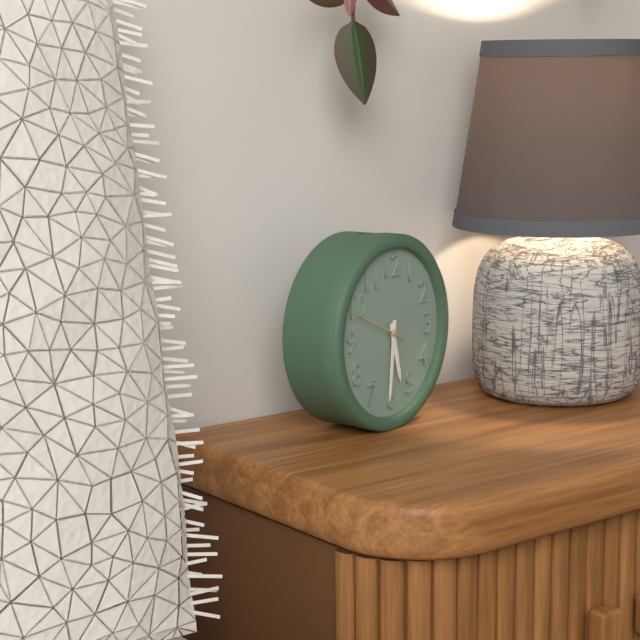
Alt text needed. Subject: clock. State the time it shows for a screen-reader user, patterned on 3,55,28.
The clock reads 5,31,49
